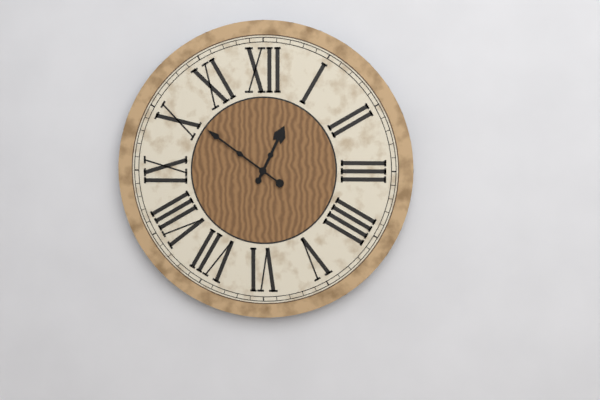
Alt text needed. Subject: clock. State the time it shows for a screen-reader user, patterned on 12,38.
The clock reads 12,51
